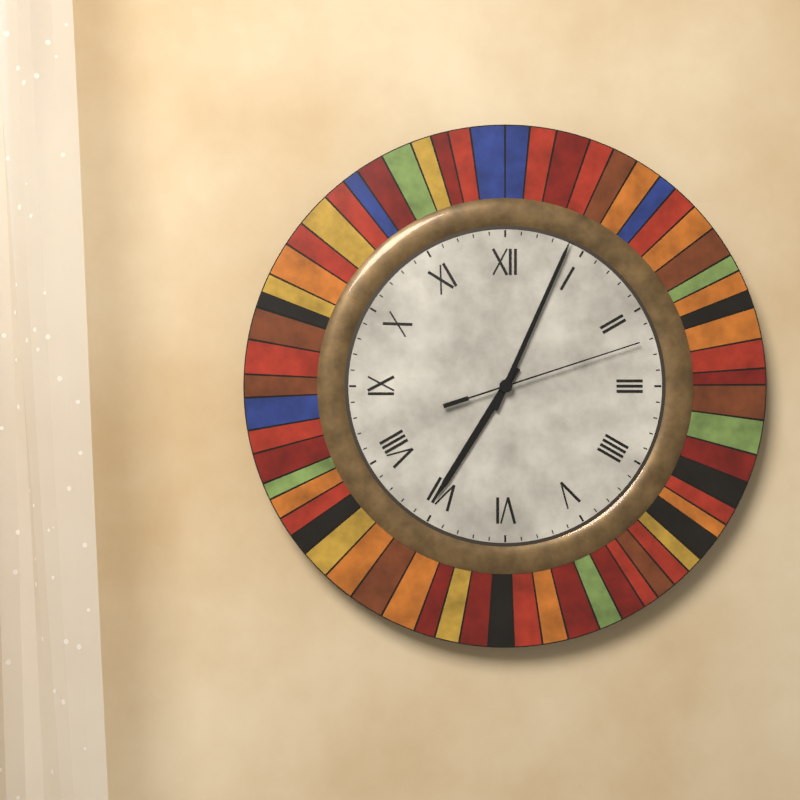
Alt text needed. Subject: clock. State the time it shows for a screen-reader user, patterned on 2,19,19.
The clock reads 7,04,12
